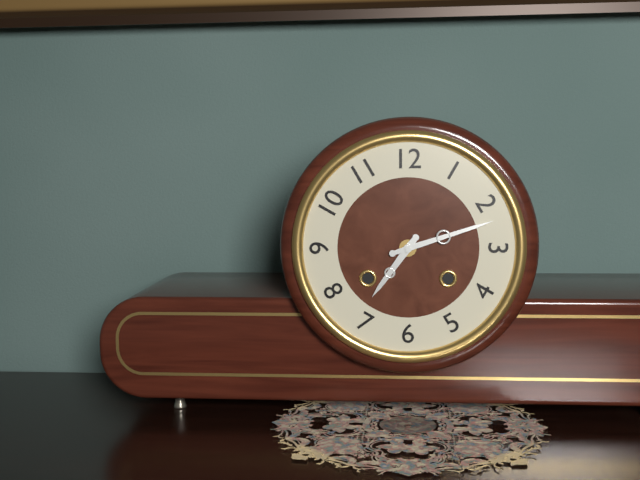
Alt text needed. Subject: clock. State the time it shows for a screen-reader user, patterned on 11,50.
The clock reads 7,12
